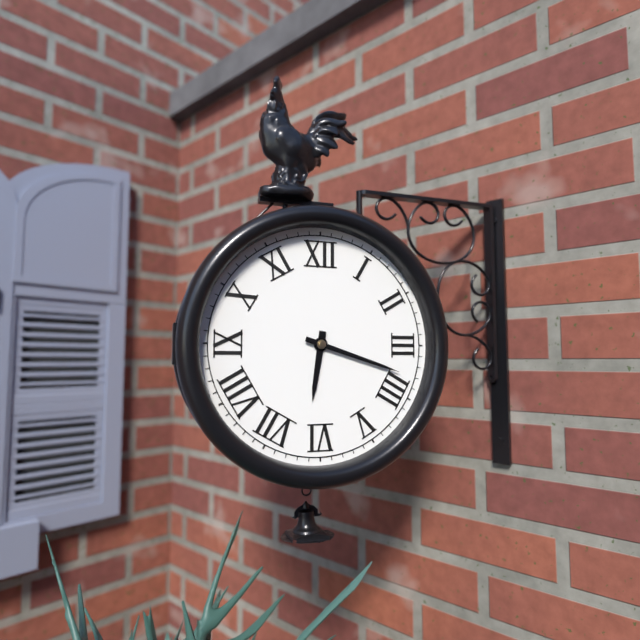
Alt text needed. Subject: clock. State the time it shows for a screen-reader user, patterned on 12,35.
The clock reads 6,18
